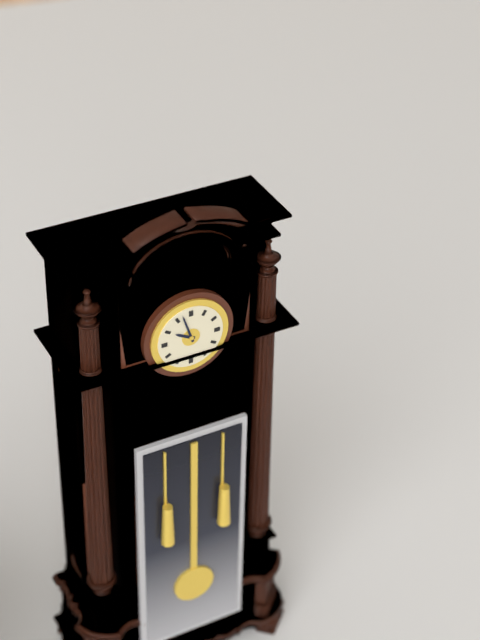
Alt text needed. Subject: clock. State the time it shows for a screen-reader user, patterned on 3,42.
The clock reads 9,57
